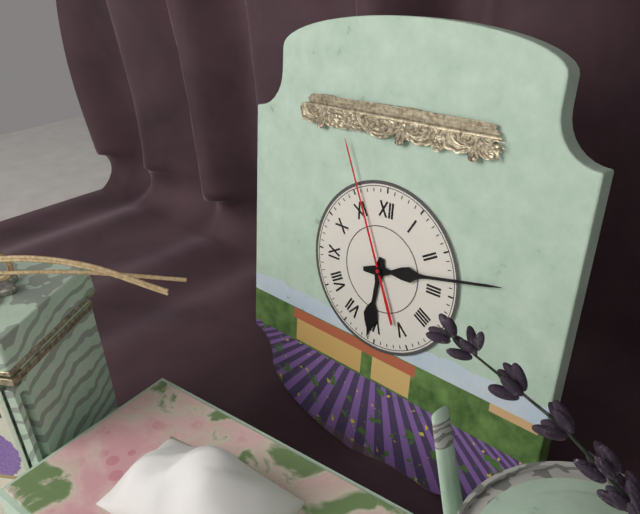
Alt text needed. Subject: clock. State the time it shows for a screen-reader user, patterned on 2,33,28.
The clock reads 6,13,56
